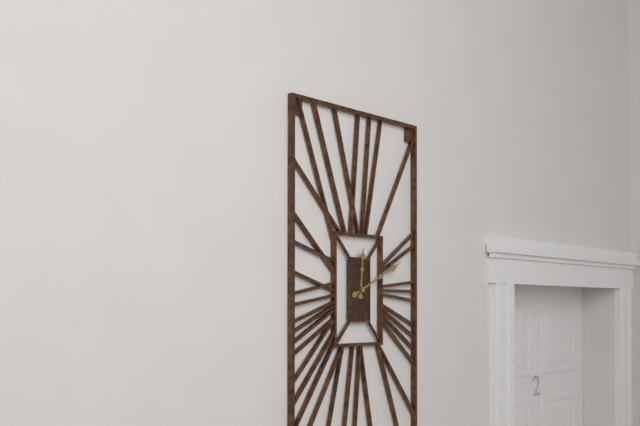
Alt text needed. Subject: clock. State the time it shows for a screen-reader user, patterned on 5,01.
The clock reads 12,11
